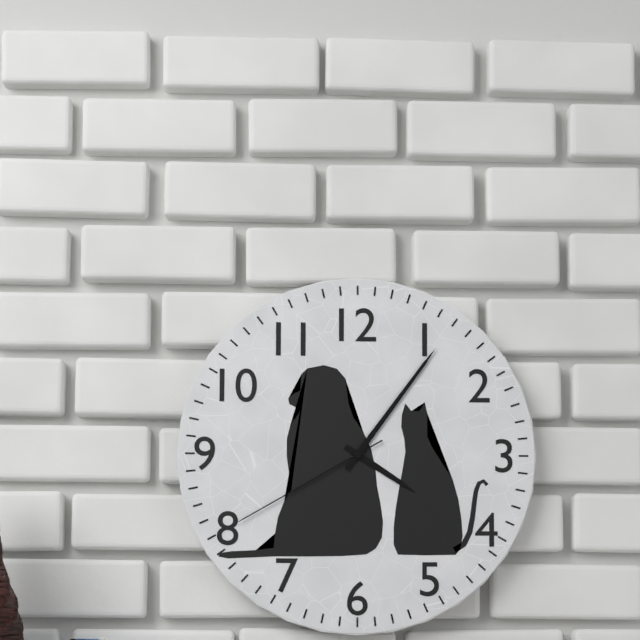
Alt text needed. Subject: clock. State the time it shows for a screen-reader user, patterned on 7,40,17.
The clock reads 4,06,40
